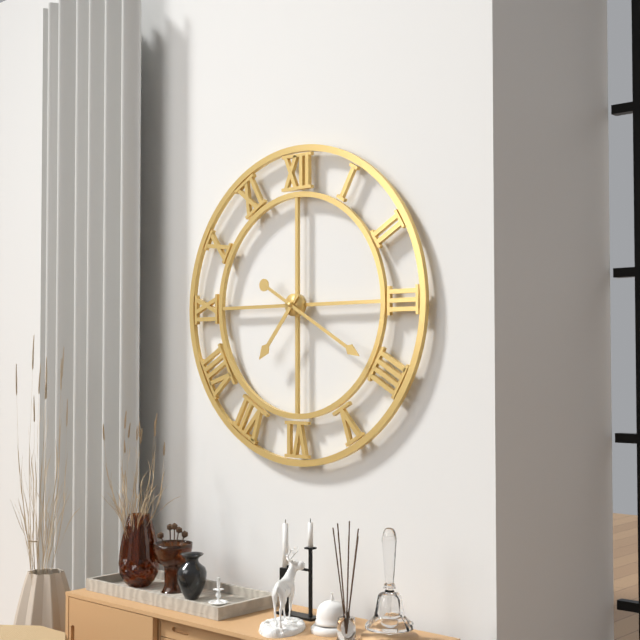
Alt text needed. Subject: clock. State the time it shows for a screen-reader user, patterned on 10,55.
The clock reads 7,20
